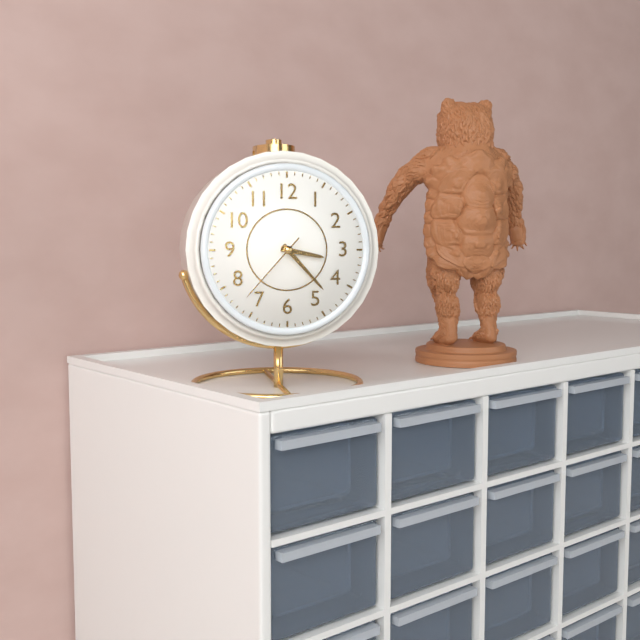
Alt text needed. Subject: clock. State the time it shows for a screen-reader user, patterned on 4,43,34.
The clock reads 3,23,37
